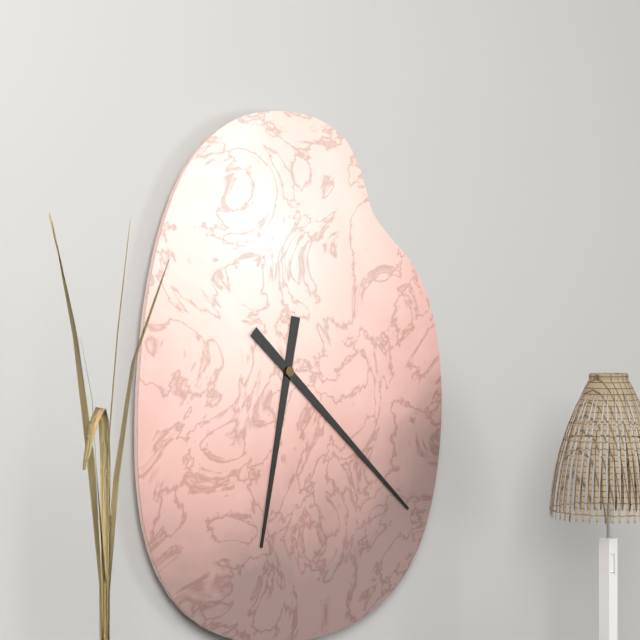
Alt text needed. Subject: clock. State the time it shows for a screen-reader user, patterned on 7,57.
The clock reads 6,22
